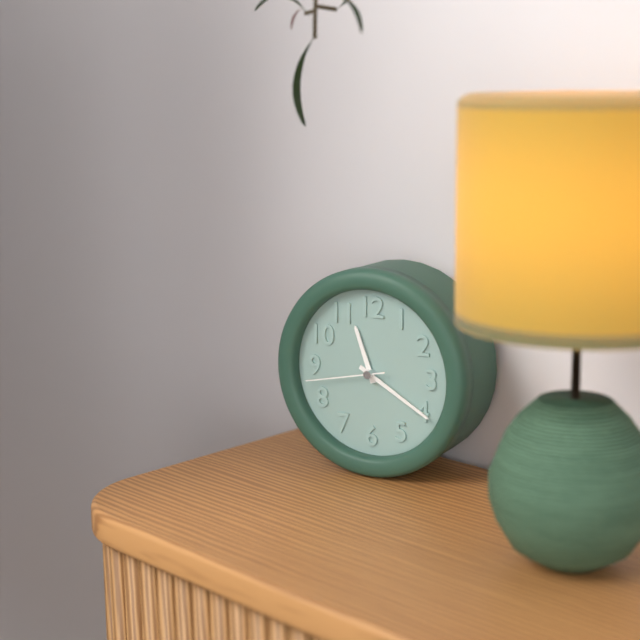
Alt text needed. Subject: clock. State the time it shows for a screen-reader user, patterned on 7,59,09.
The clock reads 11,20,43
